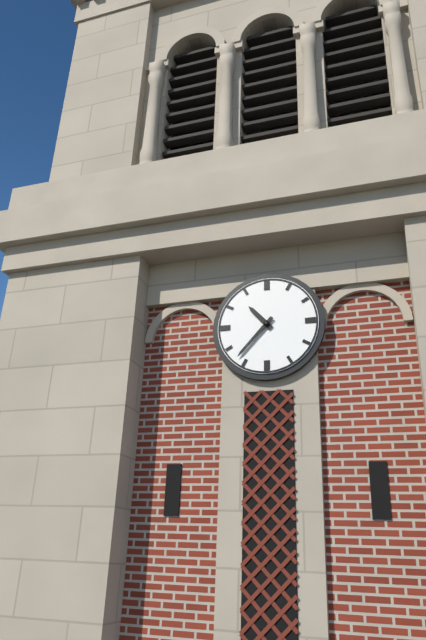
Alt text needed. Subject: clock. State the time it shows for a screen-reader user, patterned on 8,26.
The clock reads 10,37
